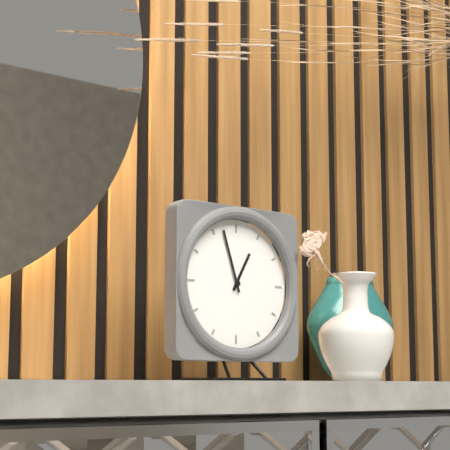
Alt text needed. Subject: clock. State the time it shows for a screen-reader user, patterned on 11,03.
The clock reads 12,57
